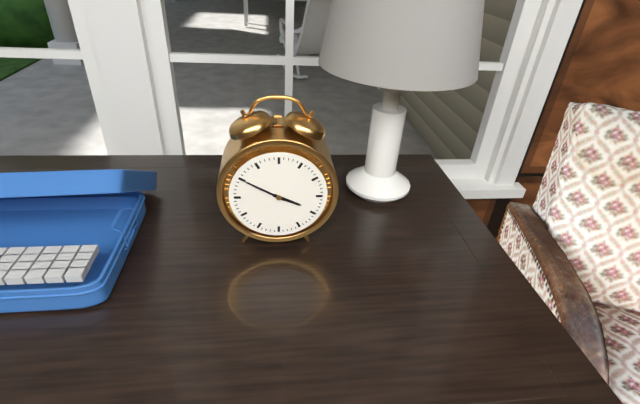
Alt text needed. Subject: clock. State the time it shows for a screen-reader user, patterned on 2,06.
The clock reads 3,50
